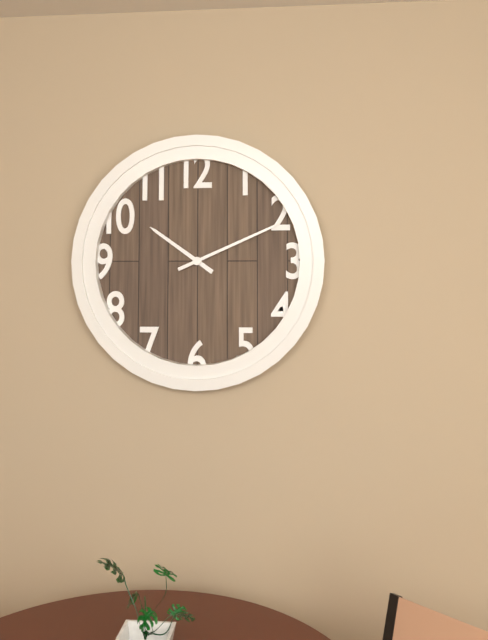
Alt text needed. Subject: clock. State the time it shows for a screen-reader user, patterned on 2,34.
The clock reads 10,11
